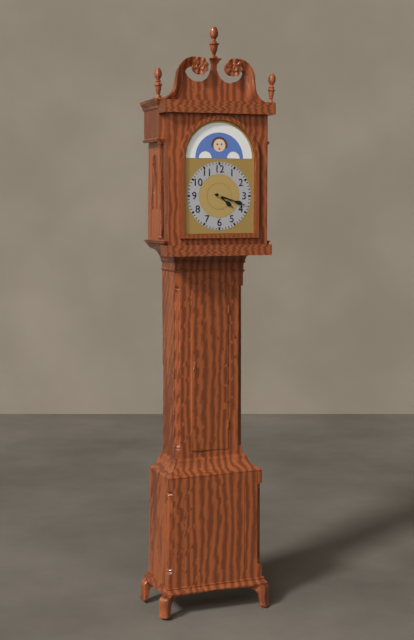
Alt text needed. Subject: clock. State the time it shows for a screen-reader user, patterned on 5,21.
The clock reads 4,18
